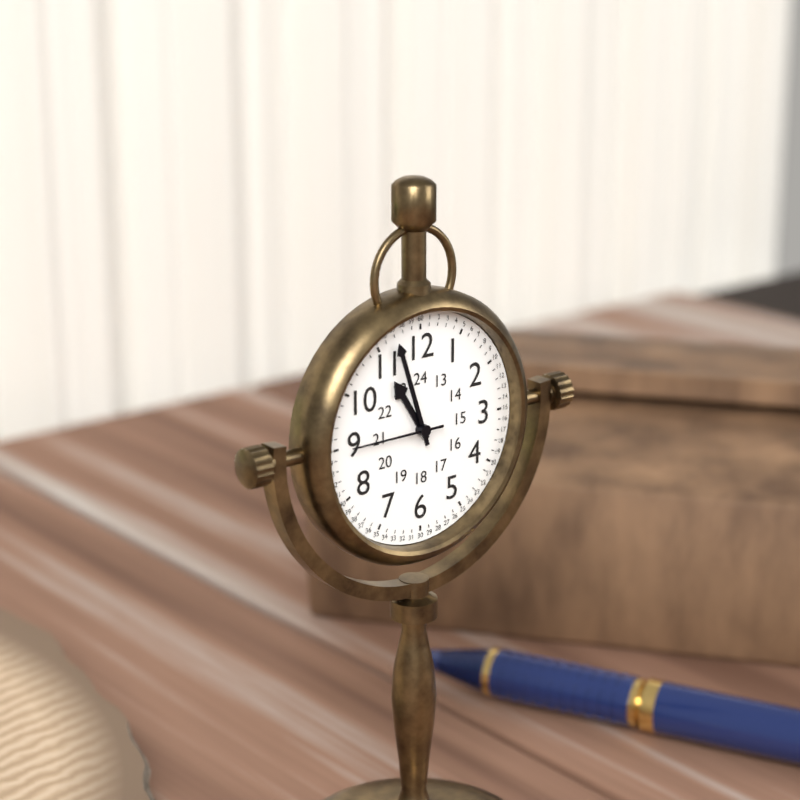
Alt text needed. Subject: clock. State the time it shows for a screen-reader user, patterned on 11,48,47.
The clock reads 10,57,45
